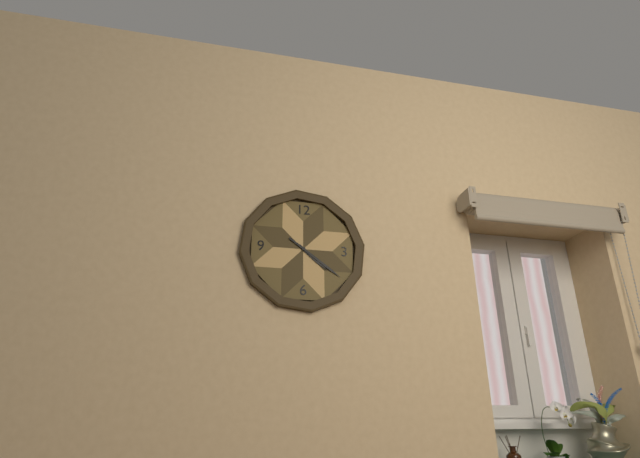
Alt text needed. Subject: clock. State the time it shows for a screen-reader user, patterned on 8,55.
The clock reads 4,21
